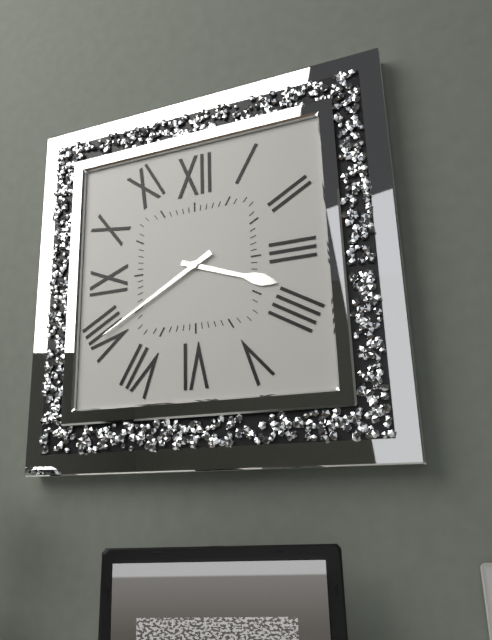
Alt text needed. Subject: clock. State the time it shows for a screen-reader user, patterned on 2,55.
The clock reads 3,40
